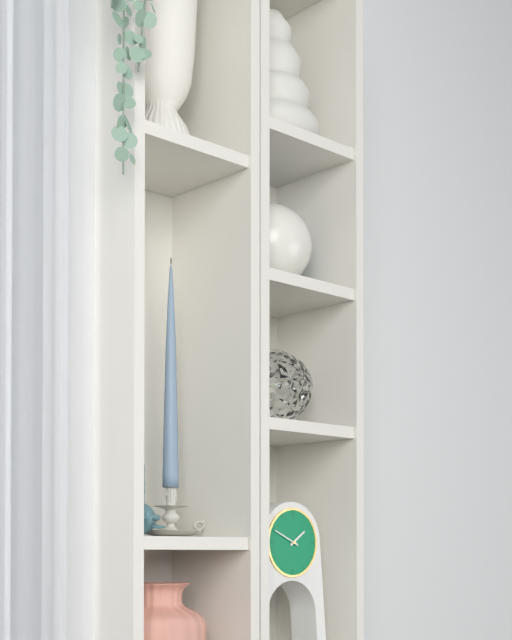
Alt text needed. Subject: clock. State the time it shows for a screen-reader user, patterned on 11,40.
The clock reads 1,49
